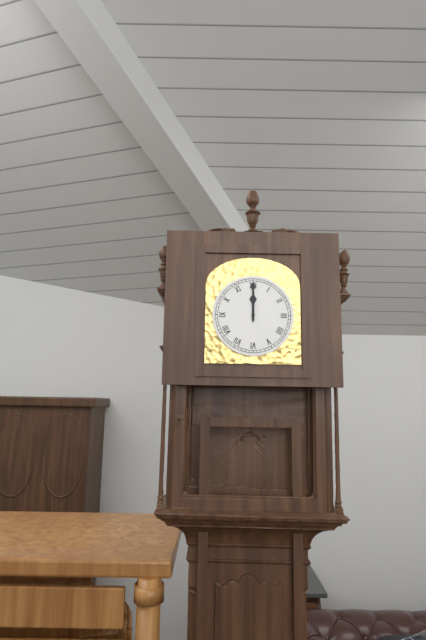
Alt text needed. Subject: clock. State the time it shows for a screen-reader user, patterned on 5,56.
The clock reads 12,00
